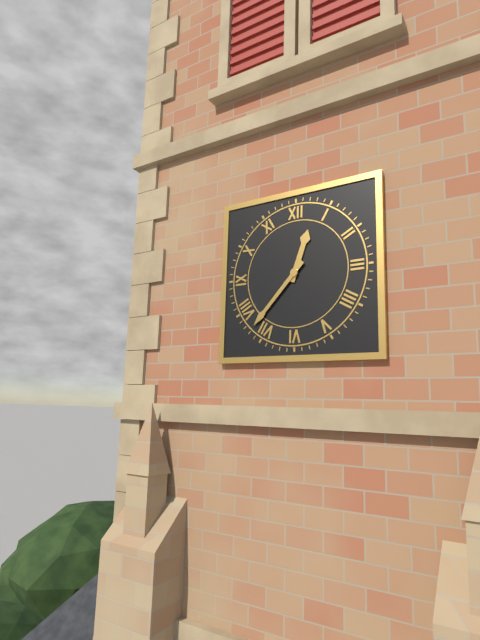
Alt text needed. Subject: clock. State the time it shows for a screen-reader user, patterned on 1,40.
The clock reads 12,37
